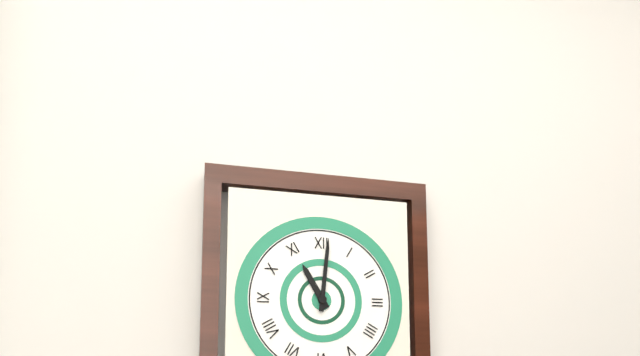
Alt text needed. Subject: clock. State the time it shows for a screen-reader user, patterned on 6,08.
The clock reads 11,01
